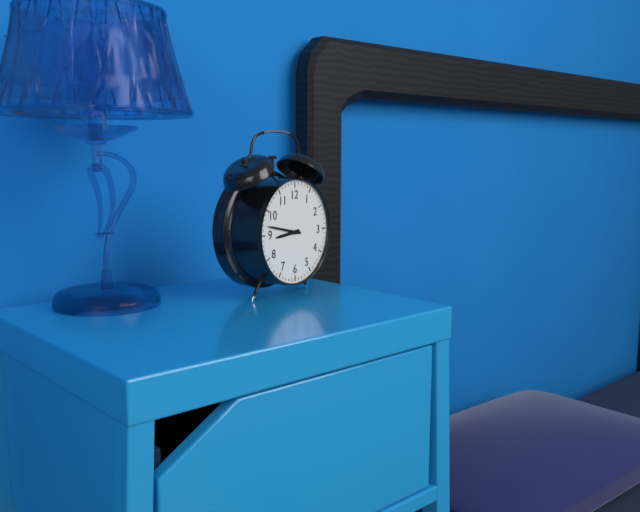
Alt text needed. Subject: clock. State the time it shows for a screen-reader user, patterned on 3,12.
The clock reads 8,47
